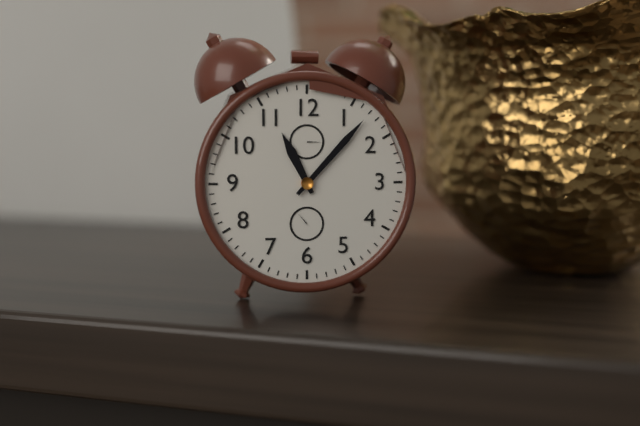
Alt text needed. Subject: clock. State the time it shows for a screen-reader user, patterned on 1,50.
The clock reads 11,07
